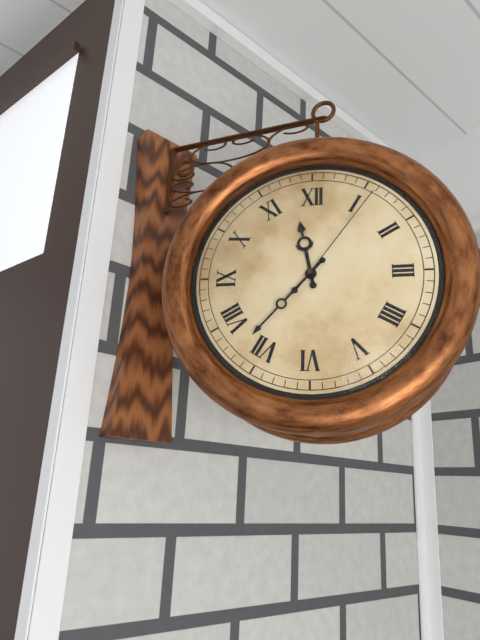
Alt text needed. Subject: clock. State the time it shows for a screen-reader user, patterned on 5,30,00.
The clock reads 11,37,06
